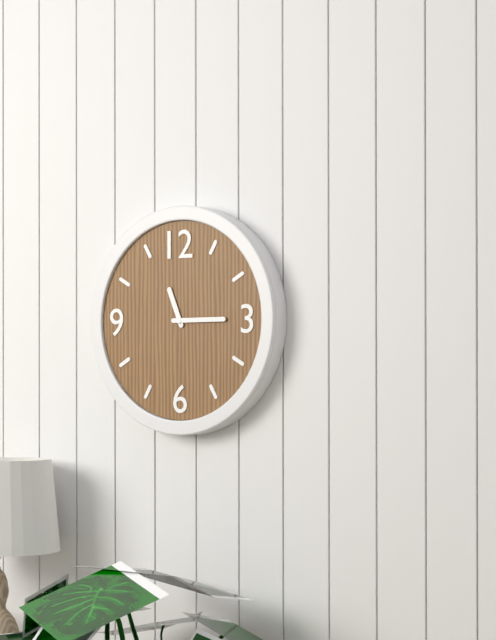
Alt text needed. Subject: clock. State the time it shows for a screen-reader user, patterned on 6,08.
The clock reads 11,15
